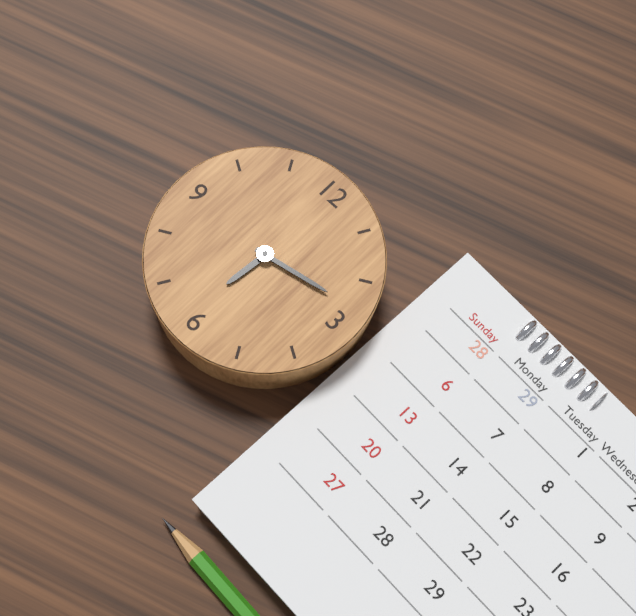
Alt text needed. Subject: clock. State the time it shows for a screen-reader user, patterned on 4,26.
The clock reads 6,13
